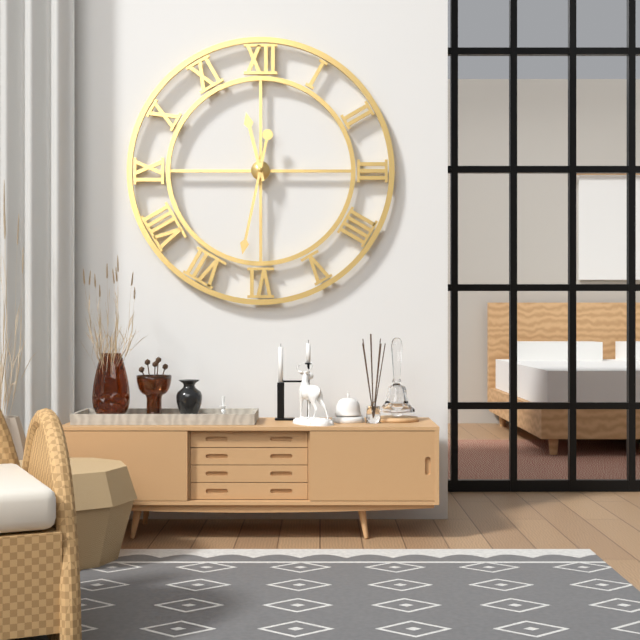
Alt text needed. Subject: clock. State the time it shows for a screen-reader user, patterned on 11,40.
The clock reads 11,32
